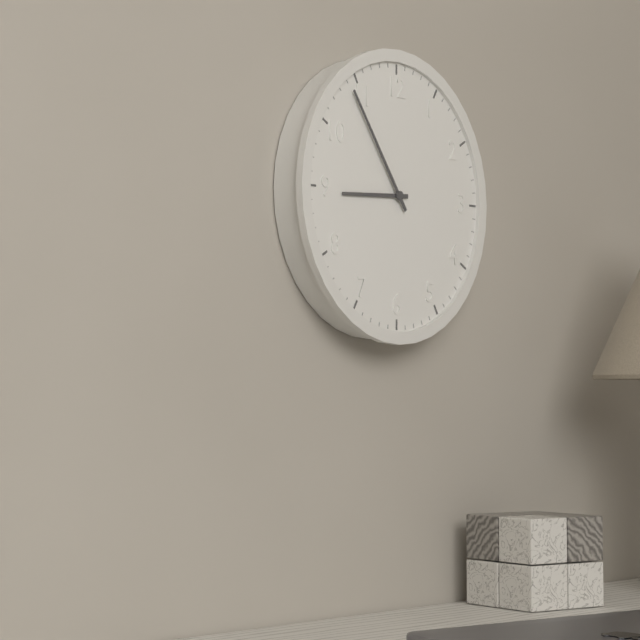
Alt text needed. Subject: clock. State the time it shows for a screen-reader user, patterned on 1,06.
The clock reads 8,54
